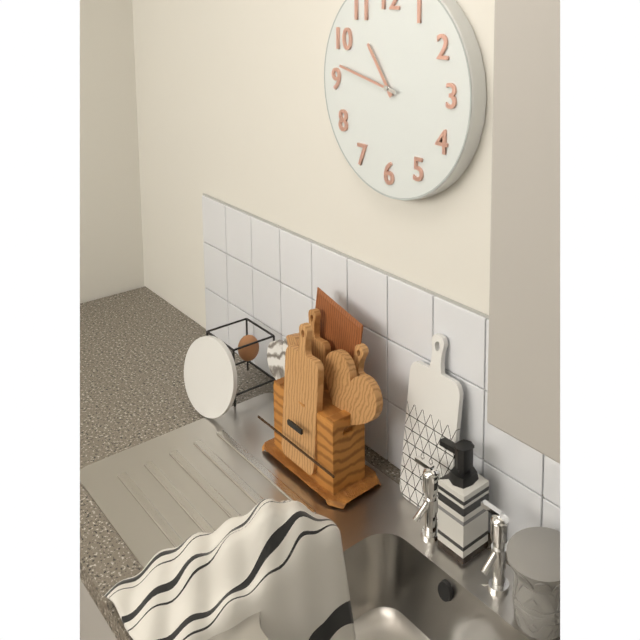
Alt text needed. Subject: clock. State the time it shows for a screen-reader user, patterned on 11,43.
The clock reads 10,47
